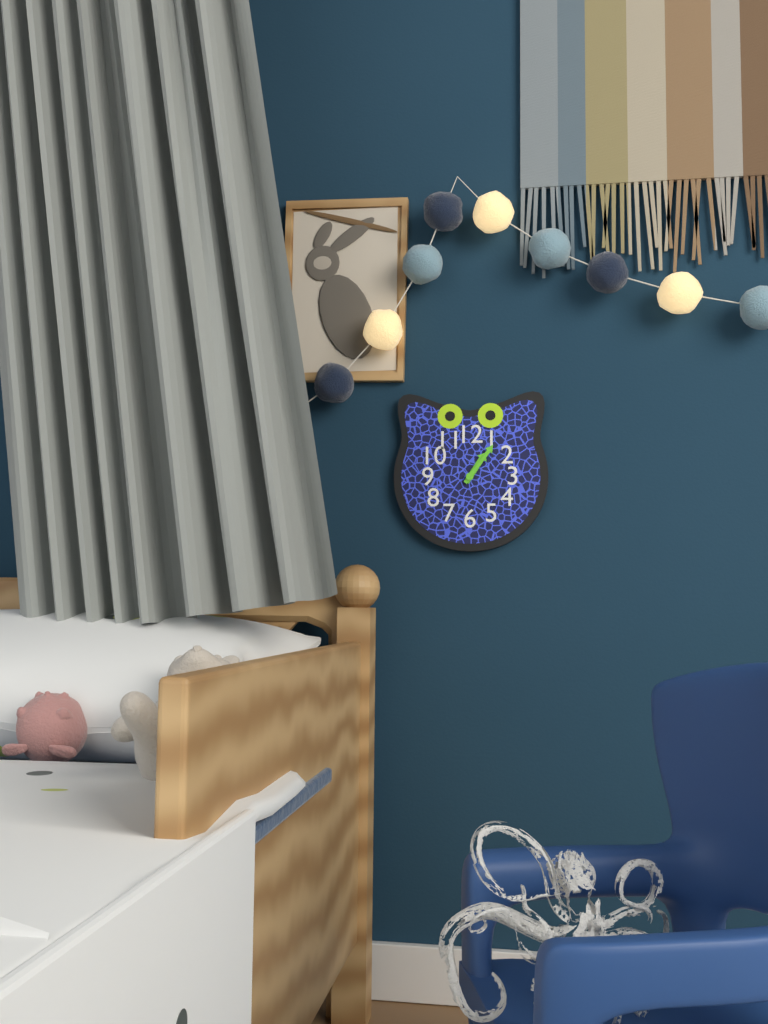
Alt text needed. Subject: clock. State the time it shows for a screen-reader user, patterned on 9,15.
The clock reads 1,06
